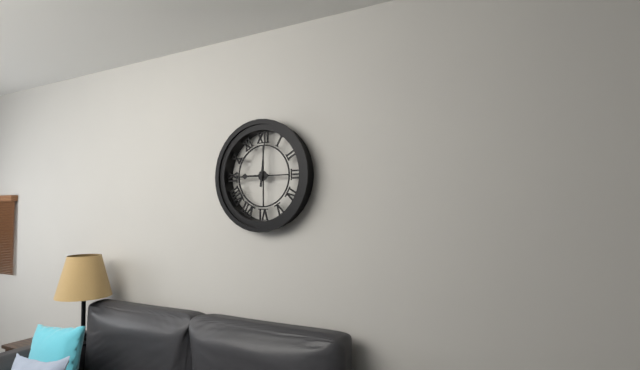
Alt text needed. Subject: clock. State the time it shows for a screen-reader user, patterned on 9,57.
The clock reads 9,01
